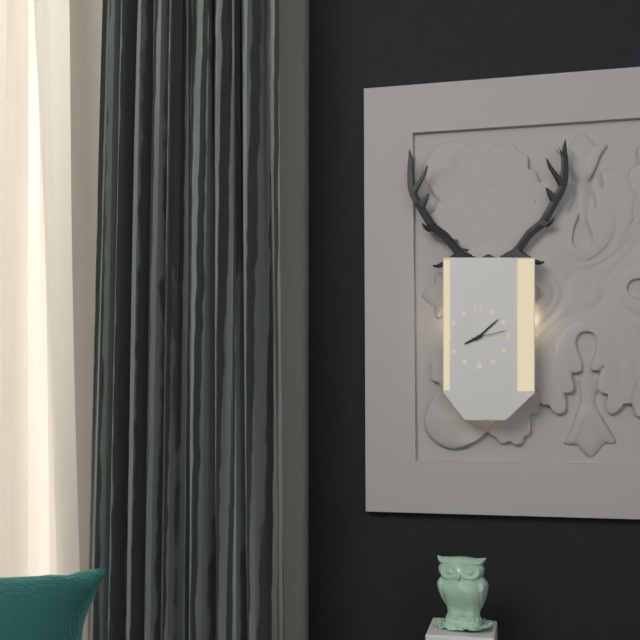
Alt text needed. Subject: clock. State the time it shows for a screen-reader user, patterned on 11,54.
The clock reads 8,08
